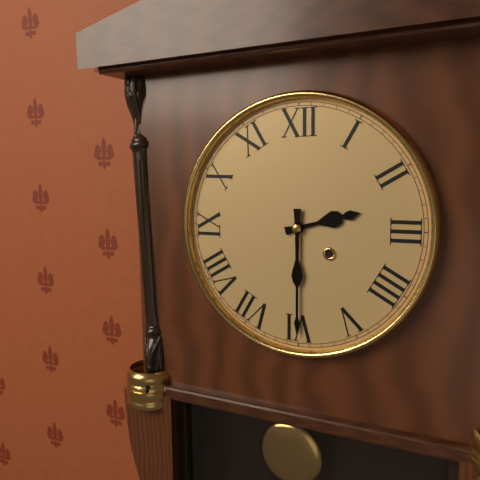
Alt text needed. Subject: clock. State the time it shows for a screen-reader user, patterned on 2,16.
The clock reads 2,30
